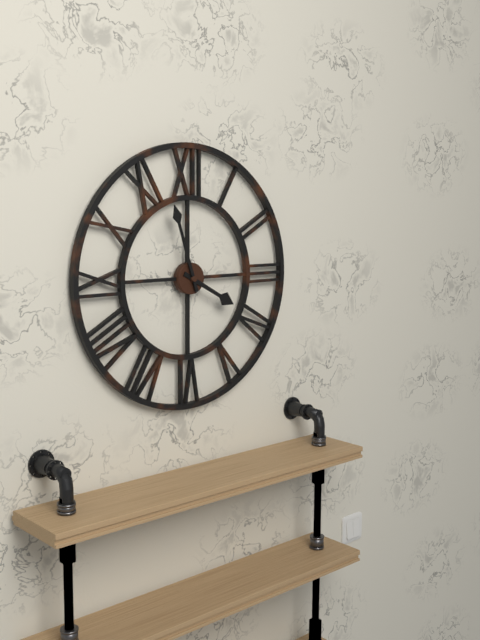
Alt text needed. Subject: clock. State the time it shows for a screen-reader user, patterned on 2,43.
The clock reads 3,57
